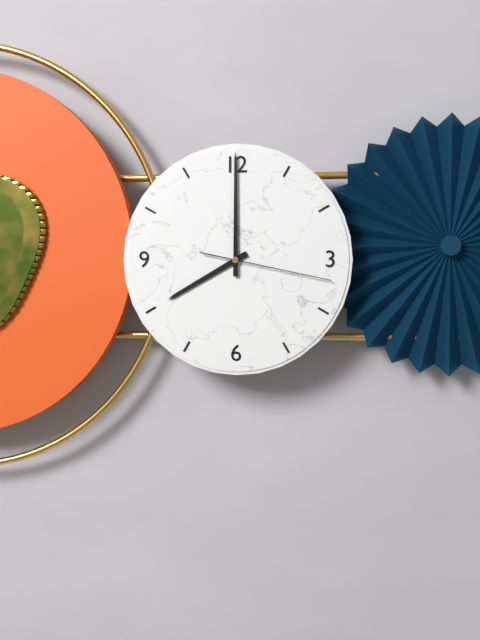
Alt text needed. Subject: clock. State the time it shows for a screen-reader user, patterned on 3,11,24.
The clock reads 8,00,17
